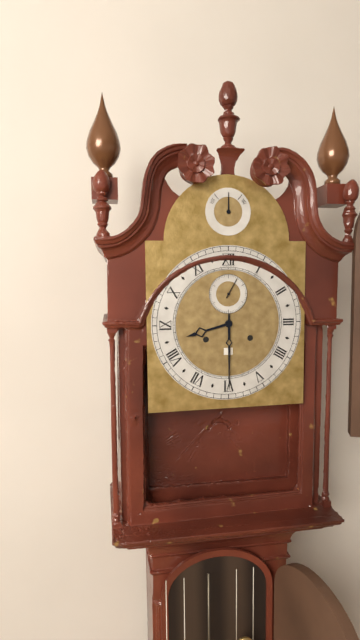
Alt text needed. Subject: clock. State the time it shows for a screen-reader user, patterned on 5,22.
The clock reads 8,30
